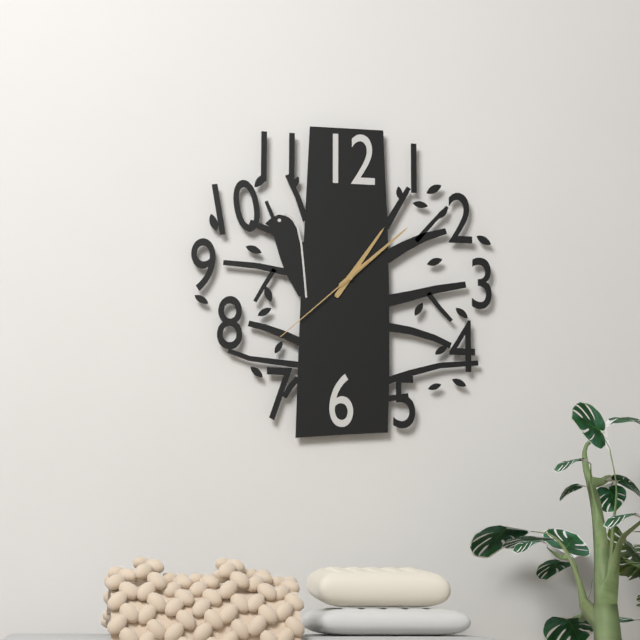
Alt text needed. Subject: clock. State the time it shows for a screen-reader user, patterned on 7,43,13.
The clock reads 1,08,38
